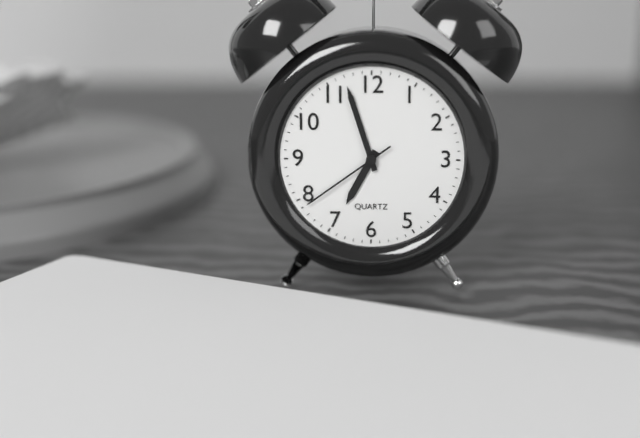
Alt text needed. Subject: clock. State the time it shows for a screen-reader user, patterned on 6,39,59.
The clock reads 6,57,39
